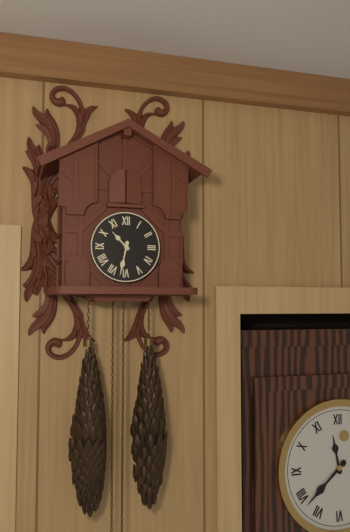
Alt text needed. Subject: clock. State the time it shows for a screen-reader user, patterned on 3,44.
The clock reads 10,32
